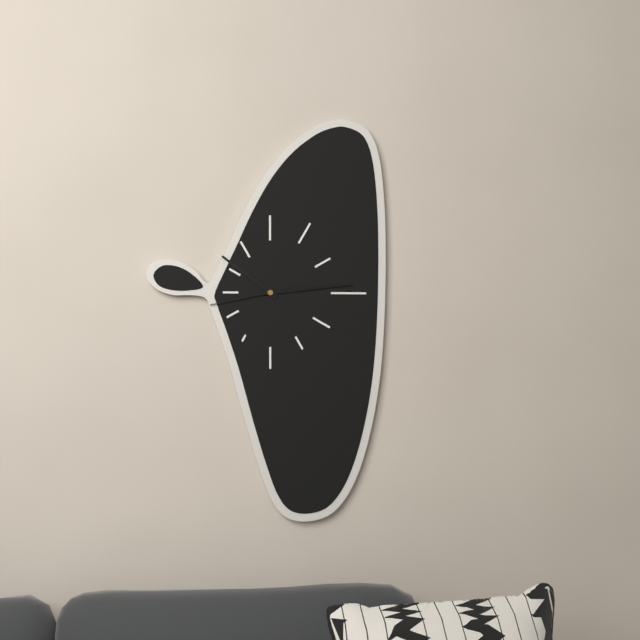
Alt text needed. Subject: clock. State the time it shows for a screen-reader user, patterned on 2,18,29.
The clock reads 10,14,43
